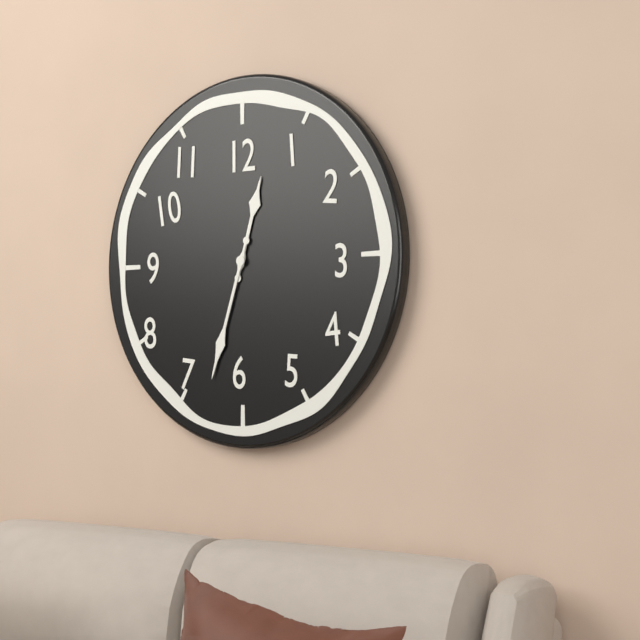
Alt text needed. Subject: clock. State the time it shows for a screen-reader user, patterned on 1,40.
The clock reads 12,33
